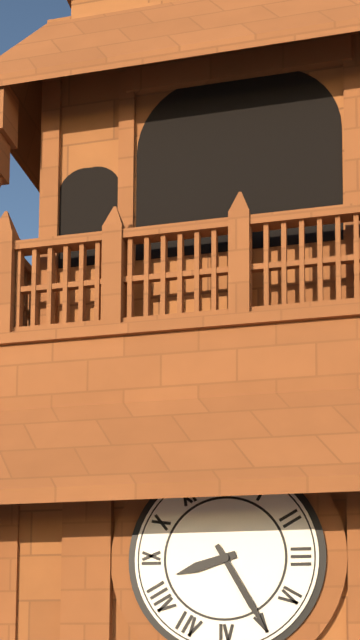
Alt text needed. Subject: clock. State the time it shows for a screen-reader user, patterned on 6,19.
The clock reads 8,25
